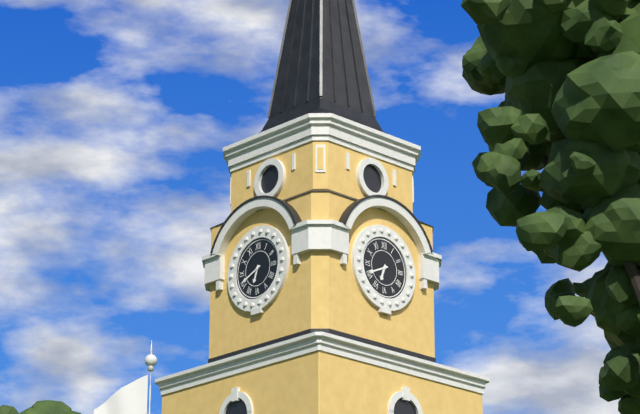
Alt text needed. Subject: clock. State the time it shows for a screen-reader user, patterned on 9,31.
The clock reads 6,41
